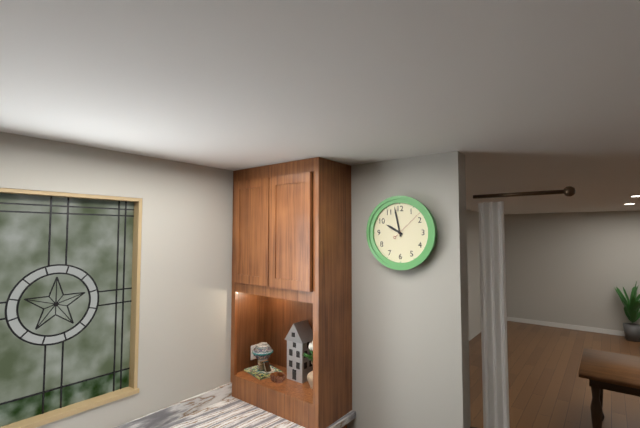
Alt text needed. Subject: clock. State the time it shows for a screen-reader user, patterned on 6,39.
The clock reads 9,58
